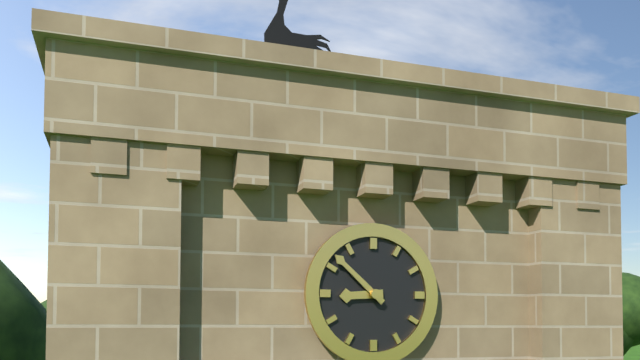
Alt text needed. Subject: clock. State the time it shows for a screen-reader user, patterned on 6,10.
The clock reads 8,52
